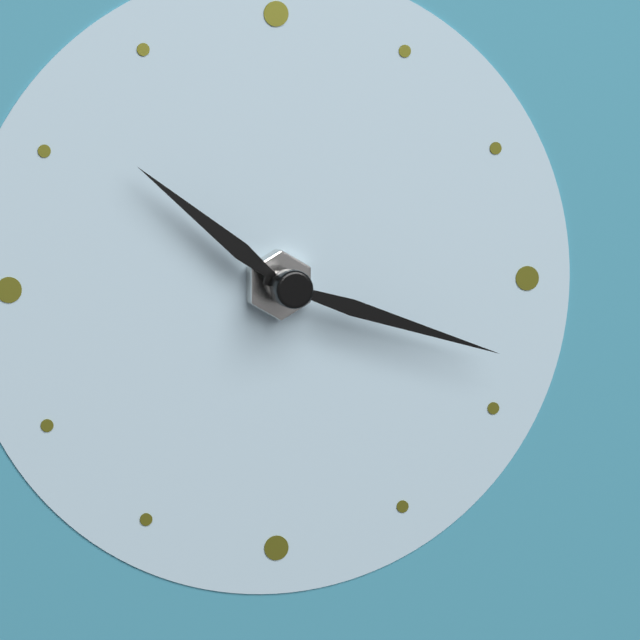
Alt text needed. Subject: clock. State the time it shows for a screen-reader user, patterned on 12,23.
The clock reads 10,18
